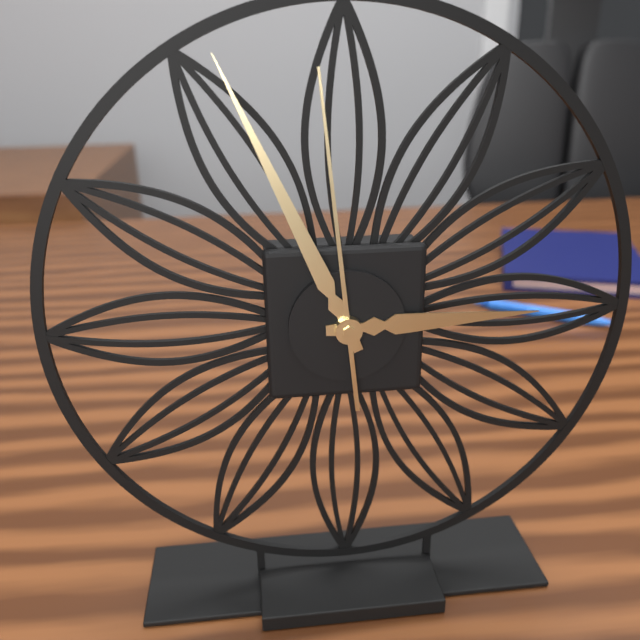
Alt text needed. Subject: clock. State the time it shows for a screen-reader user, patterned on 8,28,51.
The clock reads 2,56,59
